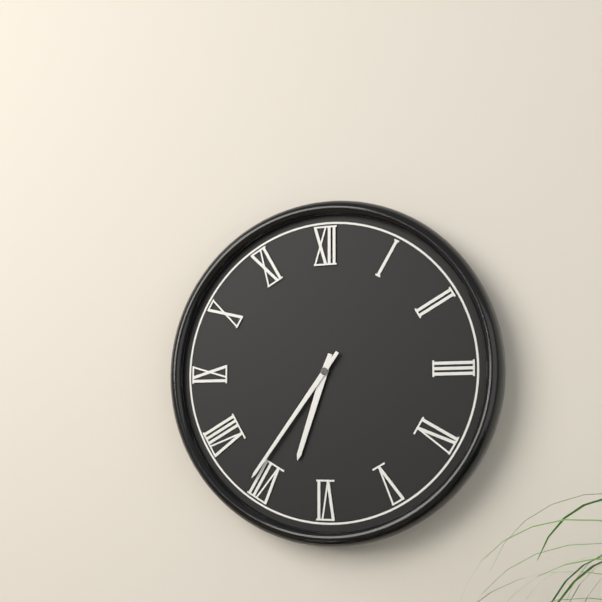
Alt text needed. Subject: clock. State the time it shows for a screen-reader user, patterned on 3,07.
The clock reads 6,36
